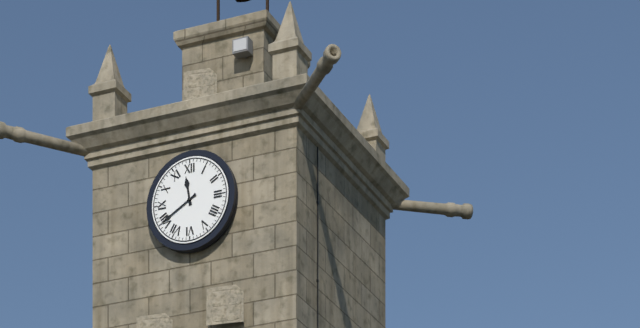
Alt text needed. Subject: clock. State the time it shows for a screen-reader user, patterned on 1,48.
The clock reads 11,40
